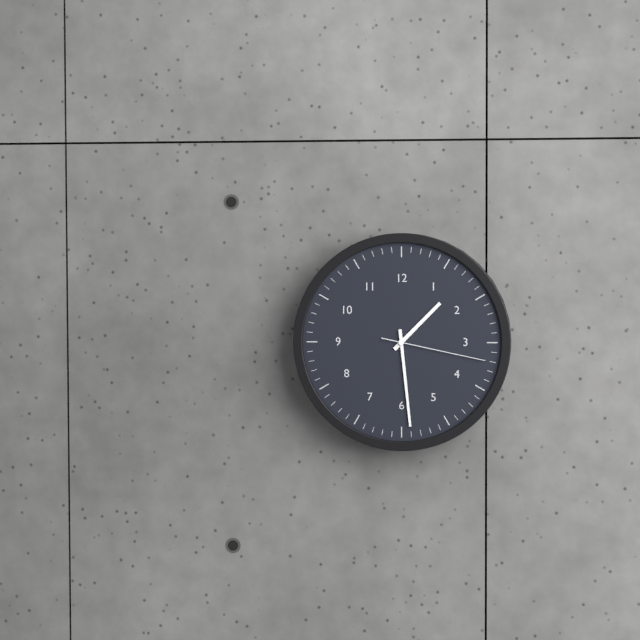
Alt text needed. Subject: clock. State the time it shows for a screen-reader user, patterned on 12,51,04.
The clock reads 1,29,17
